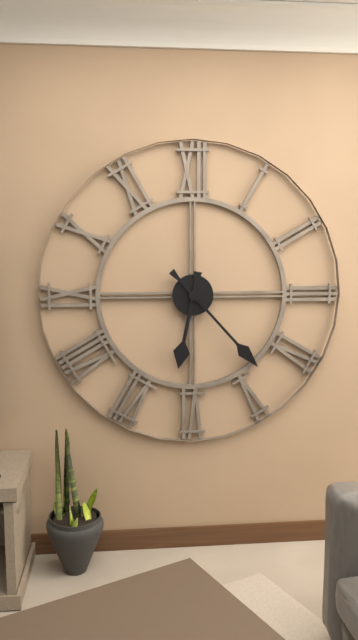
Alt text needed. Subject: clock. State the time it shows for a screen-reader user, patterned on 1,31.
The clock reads 6,23
